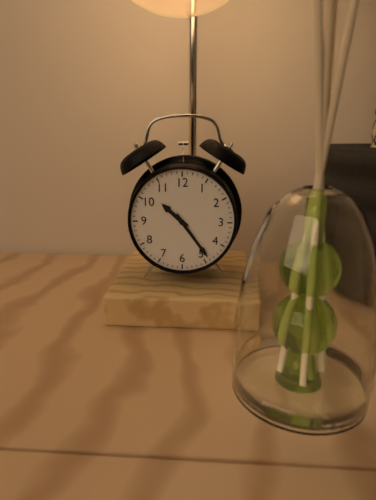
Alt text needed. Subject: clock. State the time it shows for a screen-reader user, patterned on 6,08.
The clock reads 10,24
